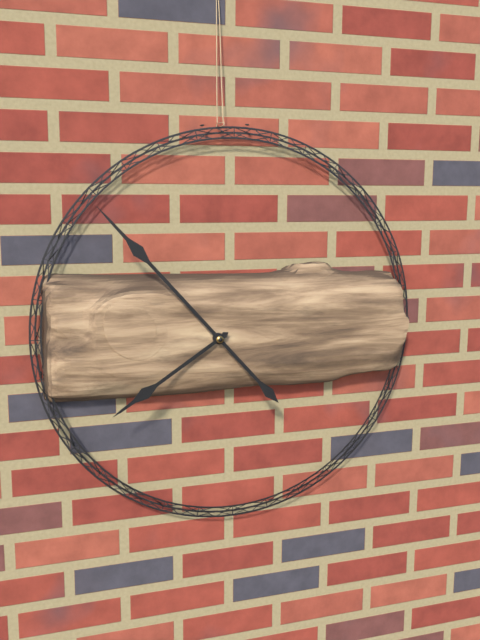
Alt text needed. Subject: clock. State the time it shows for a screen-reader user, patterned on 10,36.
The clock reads 7,53
